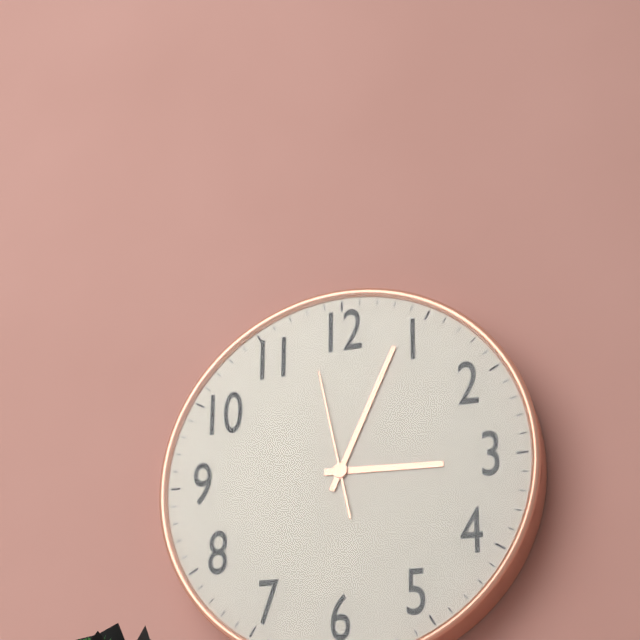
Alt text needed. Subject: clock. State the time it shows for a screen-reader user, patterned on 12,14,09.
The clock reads 3,04,58
